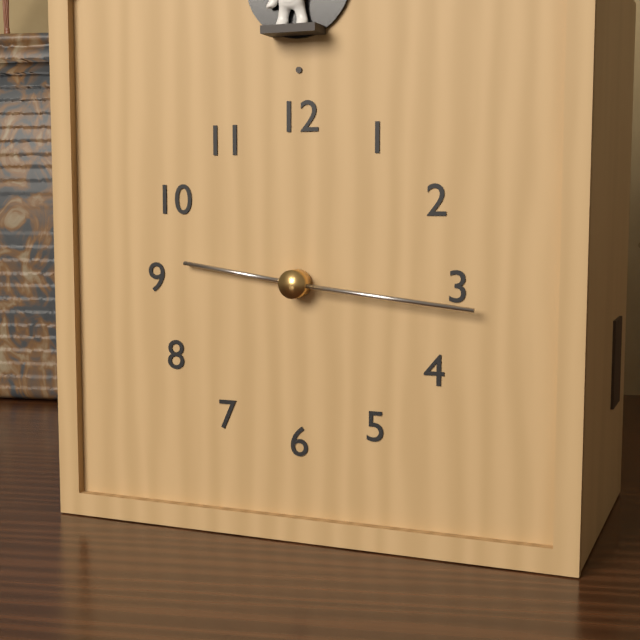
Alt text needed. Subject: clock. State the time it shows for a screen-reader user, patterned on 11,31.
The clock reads 9,16
